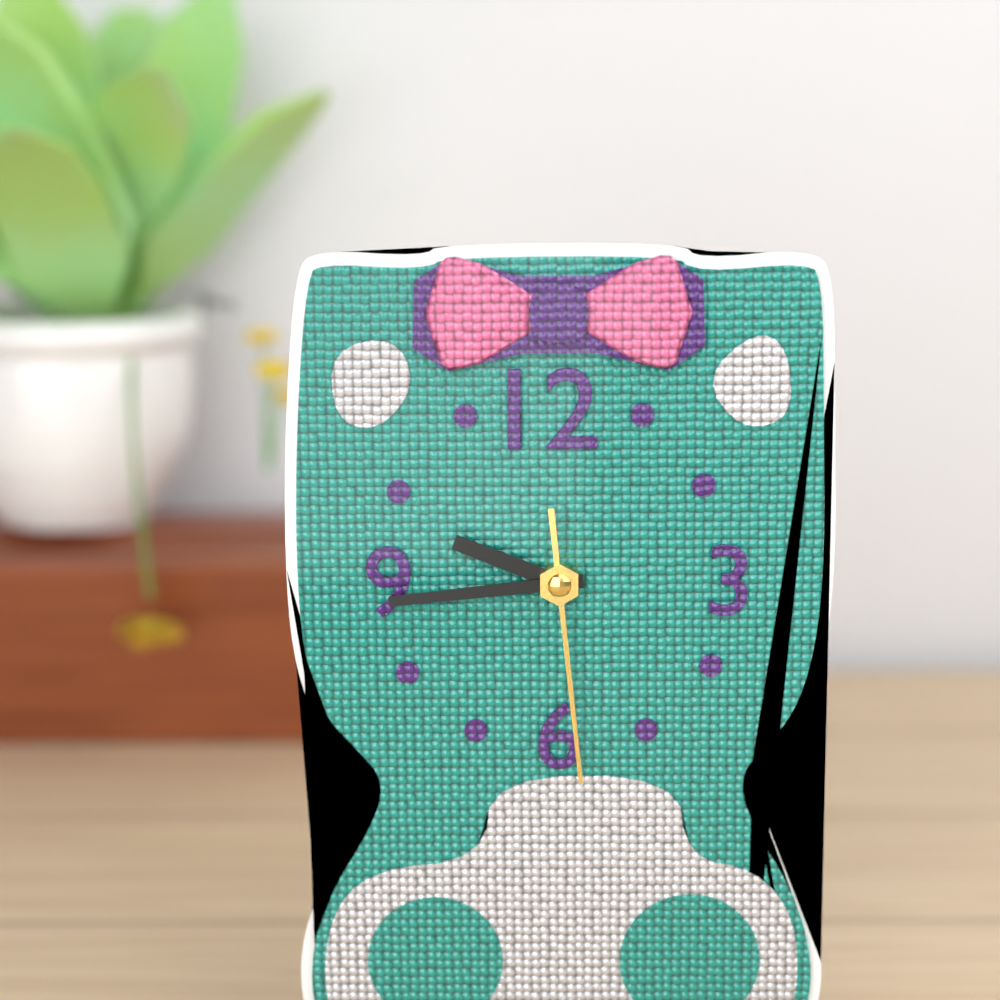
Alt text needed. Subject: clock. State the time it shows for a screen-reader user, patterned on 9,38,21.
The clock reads 9,44,29
